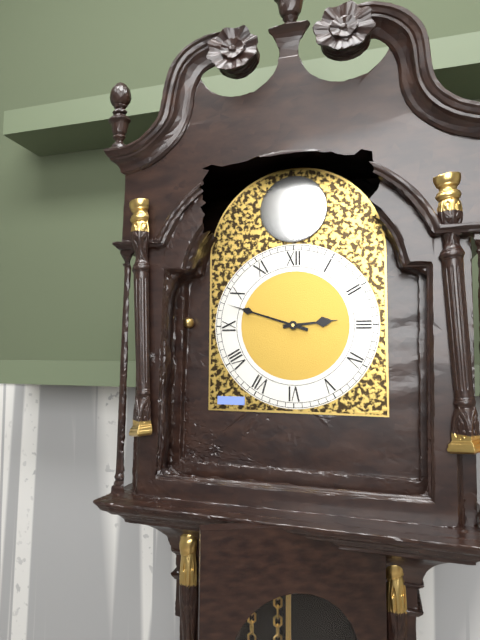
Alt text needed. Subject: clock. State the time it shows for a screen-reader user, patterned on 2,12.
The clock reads 2,48
